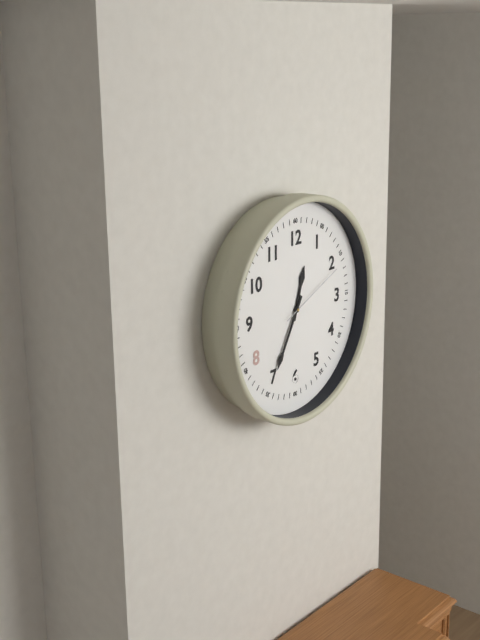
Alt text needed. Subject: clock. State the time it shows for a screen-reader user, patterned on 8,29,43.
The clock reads 12,35,11
